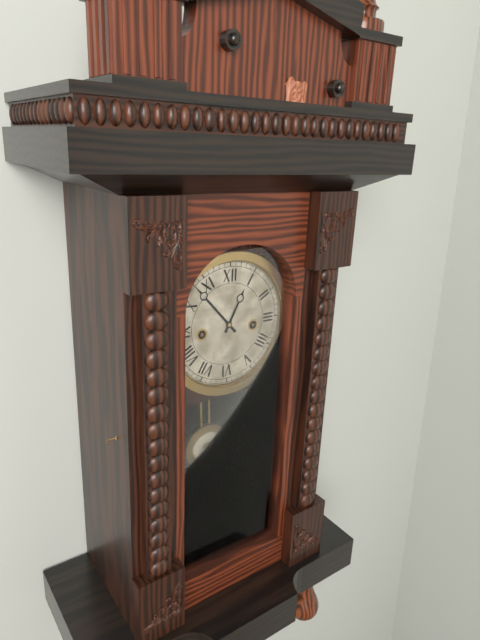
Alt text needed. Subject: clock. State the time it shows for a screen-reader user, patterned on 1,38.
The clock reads 12,53
